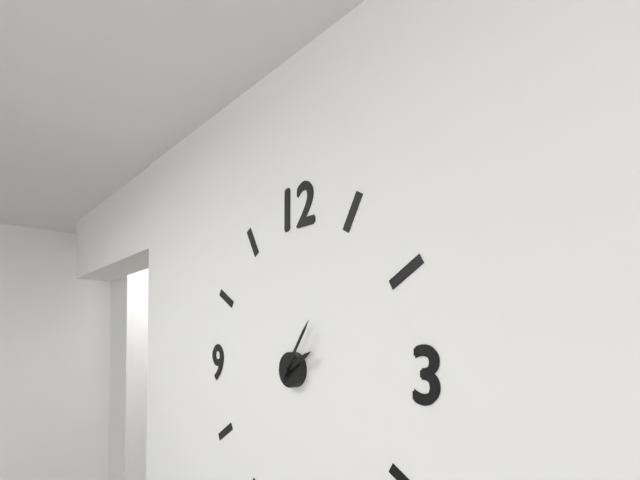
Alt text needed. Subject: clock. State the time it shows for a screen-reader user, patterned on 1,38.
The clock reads 2,06
